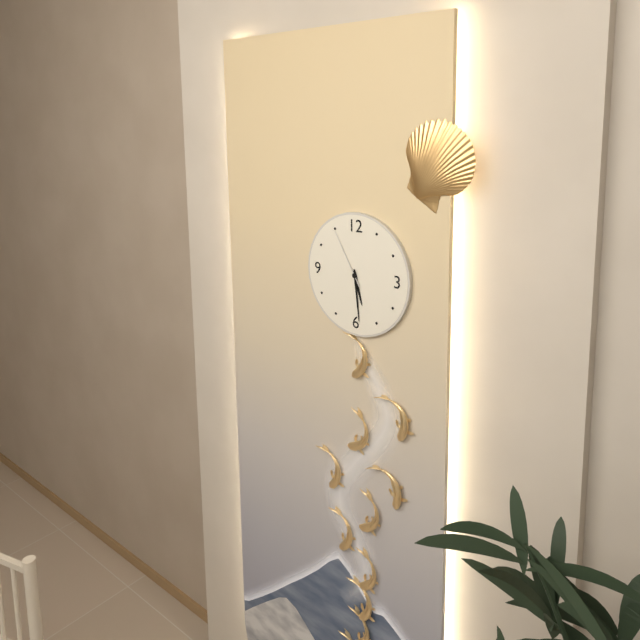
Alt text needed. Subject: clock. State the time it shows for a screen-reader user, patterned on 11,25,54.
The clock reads 5,29,55
